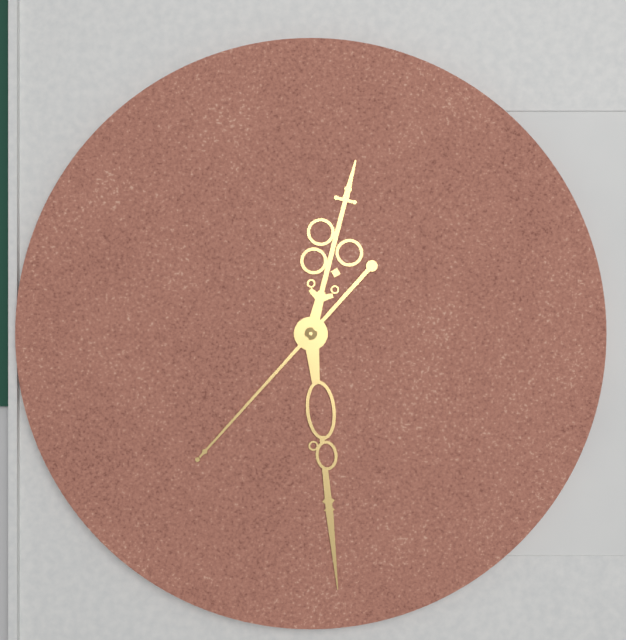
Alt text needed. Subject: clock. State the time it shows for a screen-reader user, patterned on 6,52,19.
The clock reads 12,29,37
